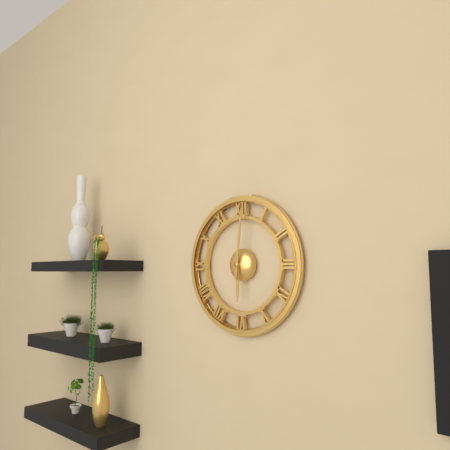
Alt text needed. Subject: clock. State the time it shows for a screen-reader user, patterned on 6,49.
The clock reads 6,01
